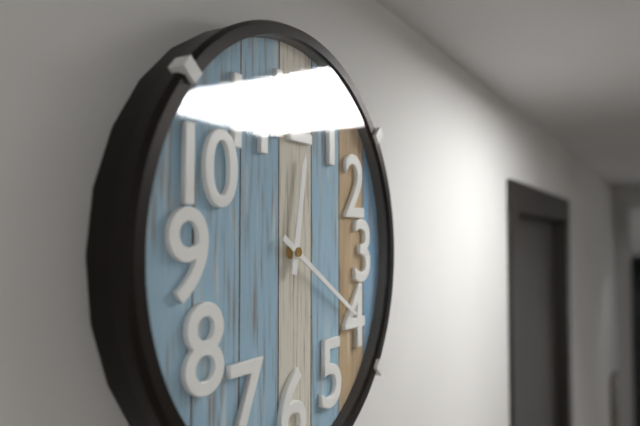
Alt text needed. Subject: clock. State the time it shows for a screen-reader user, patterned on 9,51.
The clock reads 12,20
